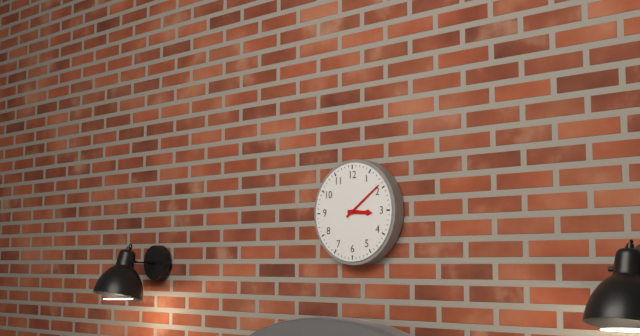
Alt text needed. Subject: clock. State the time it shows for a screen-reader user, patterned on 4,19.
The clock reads 3,09
